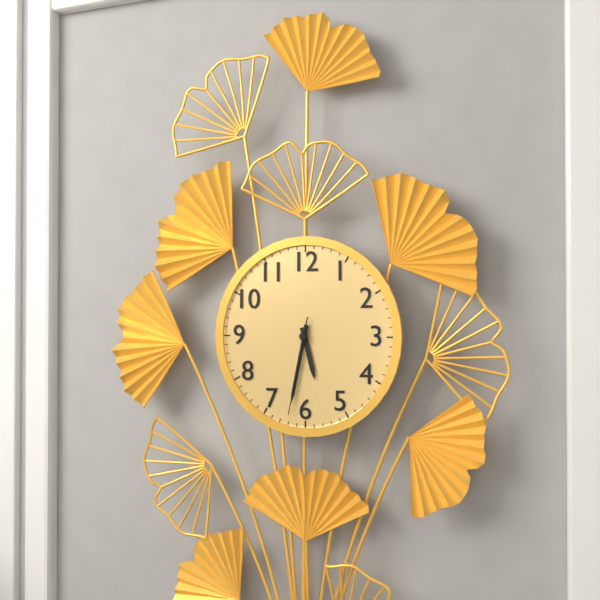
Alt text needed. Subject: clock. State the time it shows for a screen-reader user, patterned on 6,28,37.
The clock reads 5,32,32
